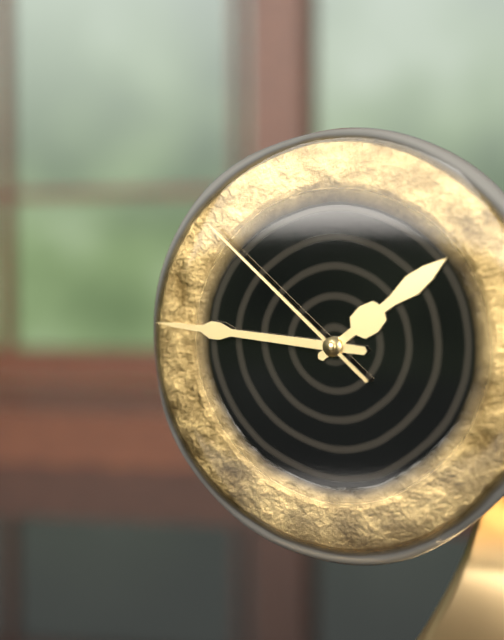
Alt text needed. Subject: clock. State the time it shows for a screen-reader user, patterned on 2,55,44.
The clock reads 1,46,52
